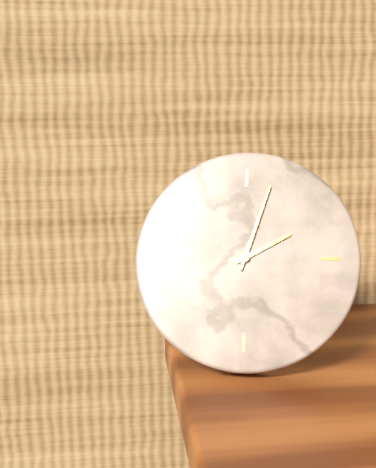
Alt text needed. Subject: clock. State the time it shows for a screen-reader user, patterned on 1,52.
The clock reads 2,03
